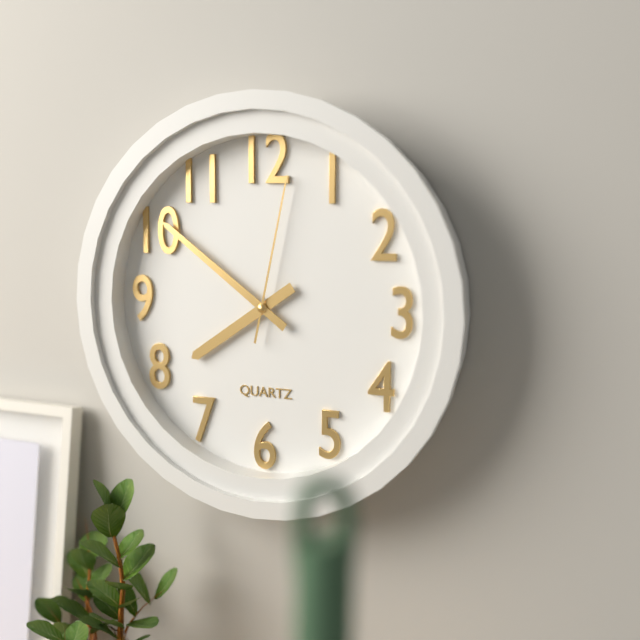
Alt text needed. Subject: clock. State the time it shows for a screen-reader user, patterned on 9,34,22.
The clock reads 7,51,02
